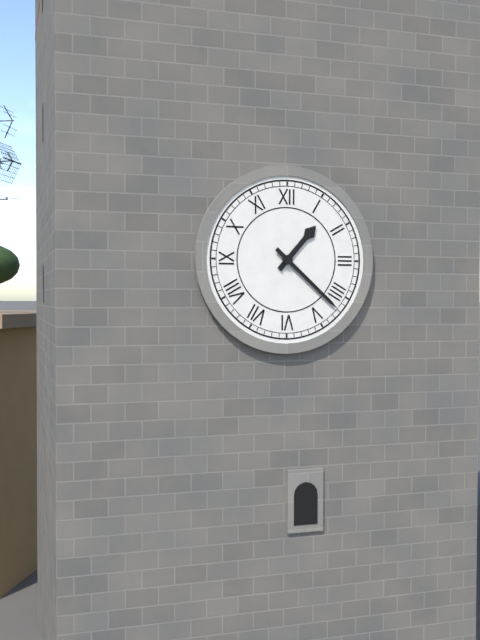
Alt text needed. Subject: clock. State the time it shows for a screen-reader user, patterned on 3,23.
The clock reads 1,22
